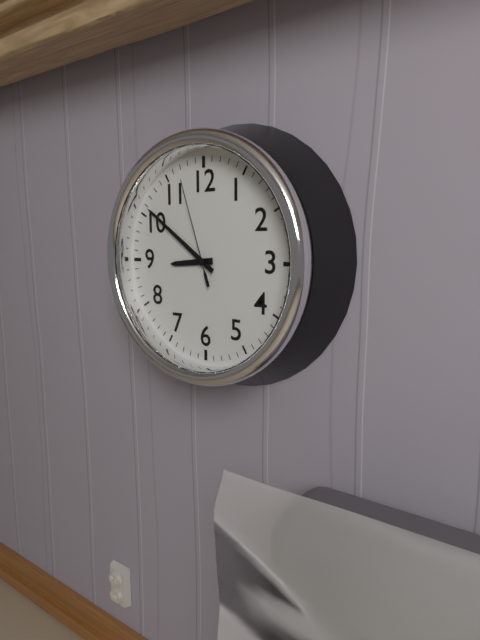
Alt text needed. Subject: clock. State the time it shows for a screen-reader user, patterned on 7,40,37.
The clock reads 8,51,57
